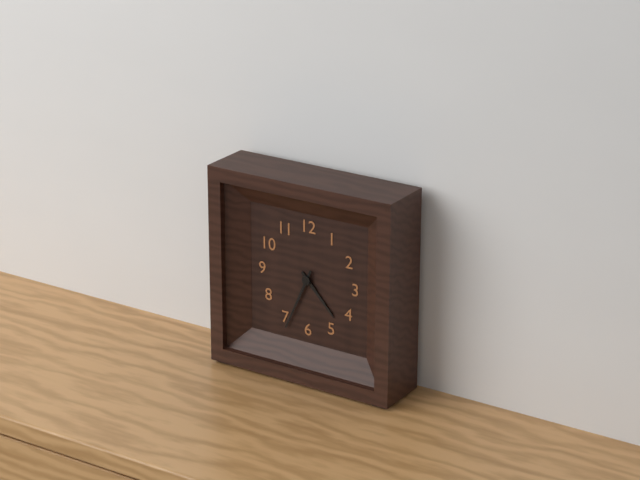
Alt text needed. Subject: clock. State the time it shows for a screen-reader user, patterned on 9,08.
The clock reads 4,34
